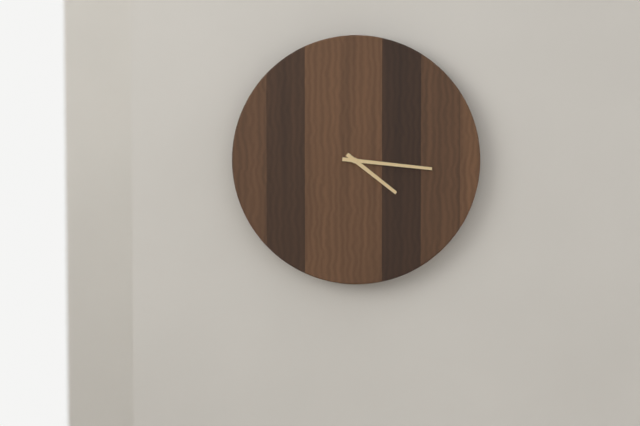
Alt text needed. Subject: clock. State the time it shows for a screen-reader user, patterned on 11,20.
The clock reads 4,16
